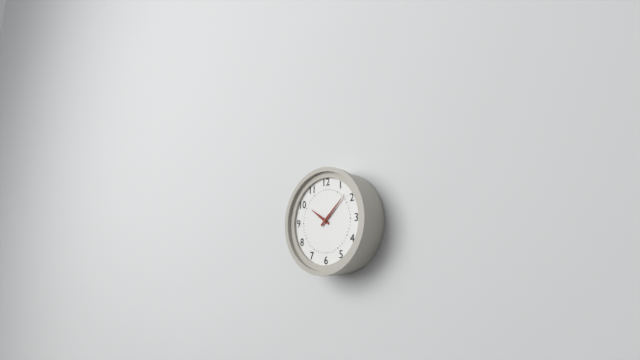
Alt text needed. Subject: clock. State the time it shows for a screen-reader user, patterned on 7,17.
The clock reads 10,08
